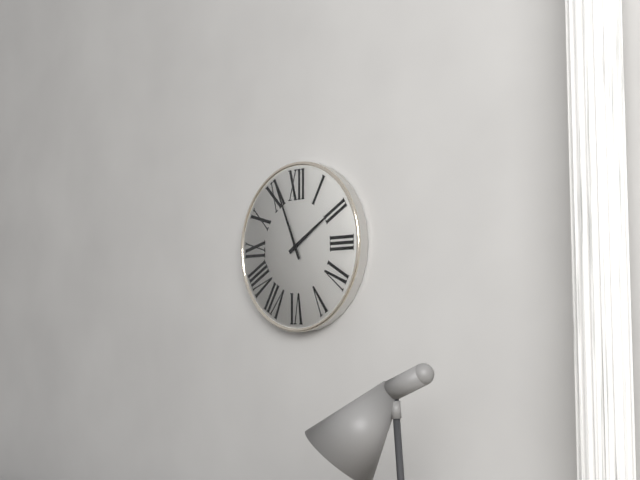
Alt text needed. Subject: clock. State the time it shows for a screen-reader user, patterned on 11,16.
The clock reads 1,56
